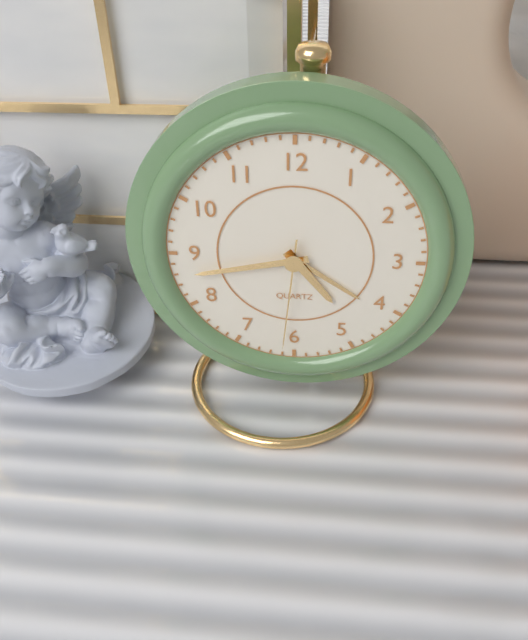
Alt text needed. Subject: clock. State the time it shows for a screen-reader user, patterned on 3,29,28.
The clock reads 4,43,31
